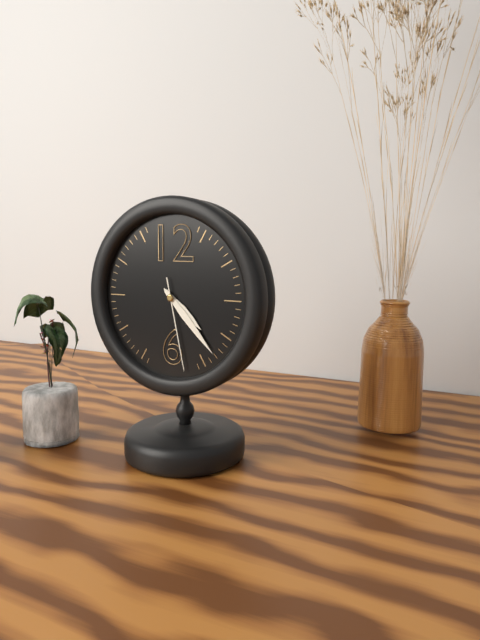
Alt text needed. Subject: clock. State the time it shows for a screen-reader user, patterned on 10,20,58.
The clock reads 4,23,28
